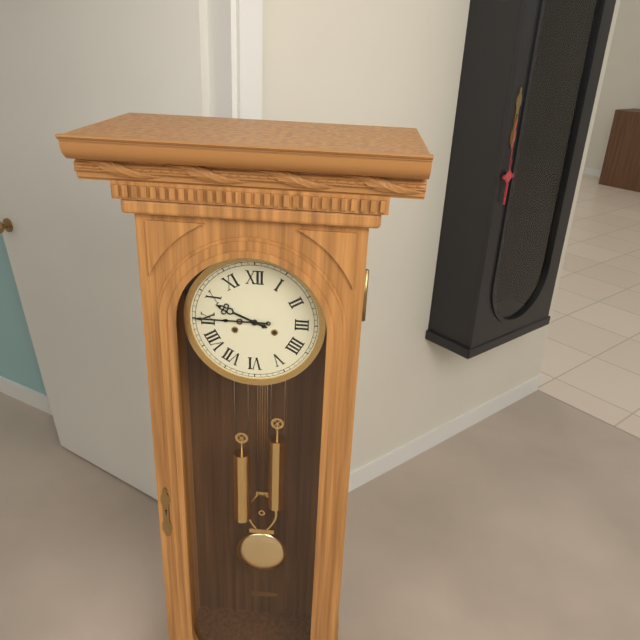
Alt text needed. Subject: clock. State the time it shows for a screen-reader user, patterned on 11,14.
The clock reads 9,45
